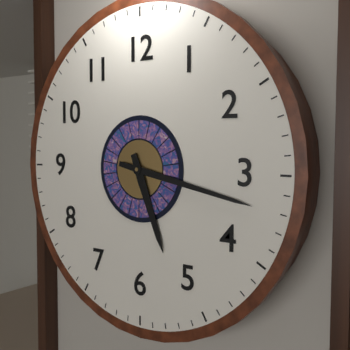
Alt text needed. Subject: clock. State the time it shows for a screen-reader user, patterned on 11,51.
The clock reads 5,17
